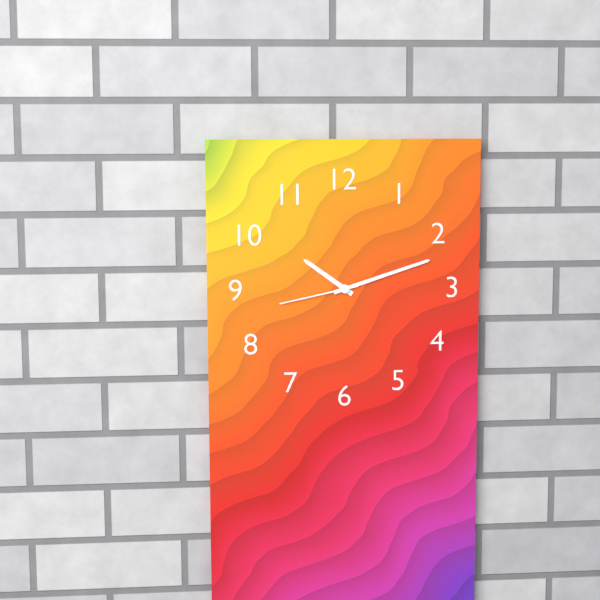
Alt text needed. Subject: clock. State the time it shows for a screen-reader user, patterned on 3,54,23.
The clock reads 10,12,43
